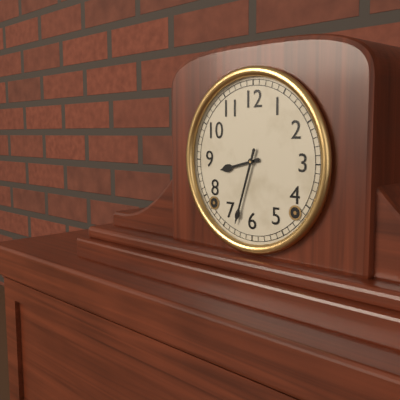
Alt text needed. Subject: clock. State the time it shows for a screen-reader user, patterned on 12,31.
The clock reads 8,33
